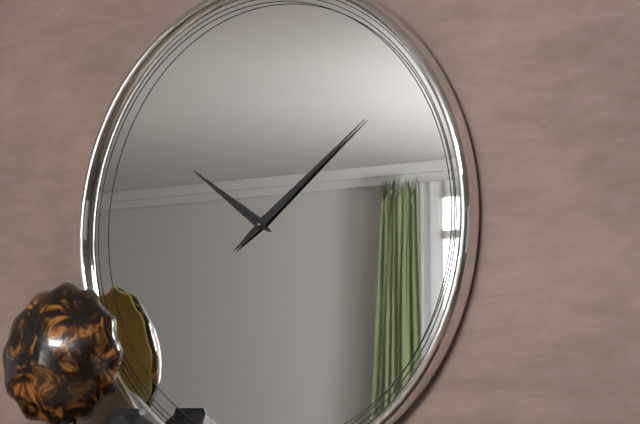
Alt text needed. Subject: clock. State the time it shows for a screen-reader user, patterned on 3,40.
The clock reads 10,09
